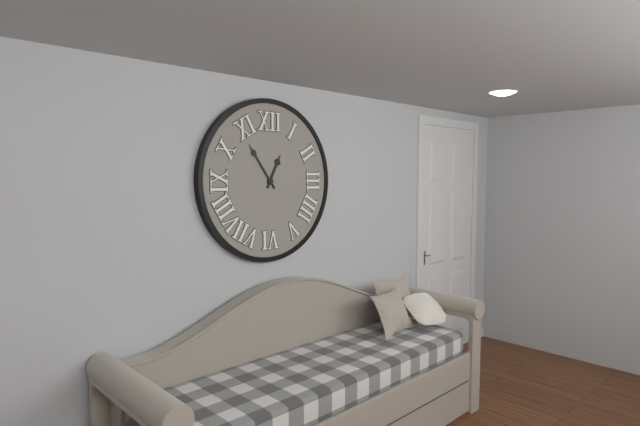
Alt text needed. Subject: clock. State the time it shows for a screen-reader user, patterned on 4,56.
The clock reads 12,54
